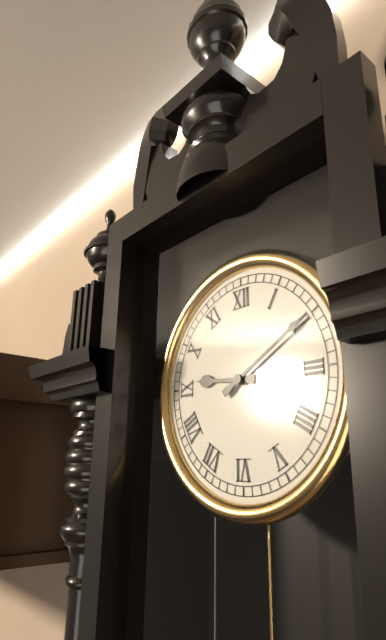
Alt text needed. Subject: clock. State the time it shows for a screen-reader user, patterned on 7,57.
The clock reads 9,10
